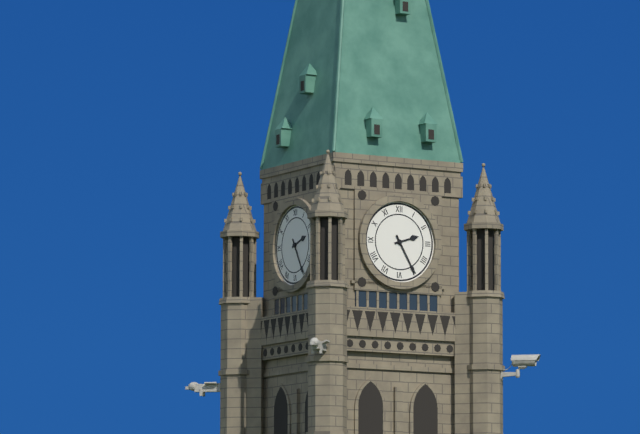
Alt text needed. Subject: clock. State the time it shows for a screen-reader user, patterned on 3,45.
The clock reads 2,25
